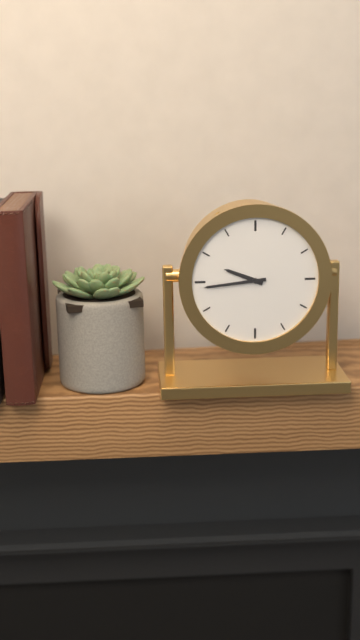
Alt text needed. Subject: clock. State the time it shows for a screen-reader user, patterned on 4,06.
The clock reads 9,44
